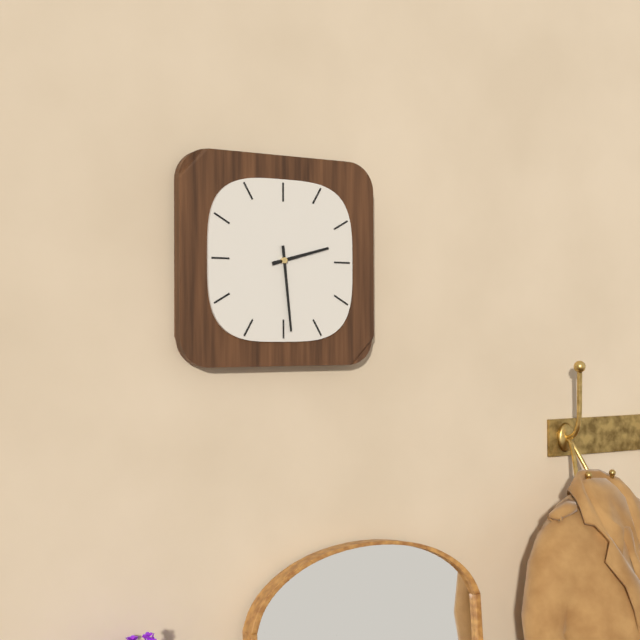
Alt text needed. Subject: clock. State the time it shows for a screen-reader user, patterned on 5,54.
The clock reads 2,29
